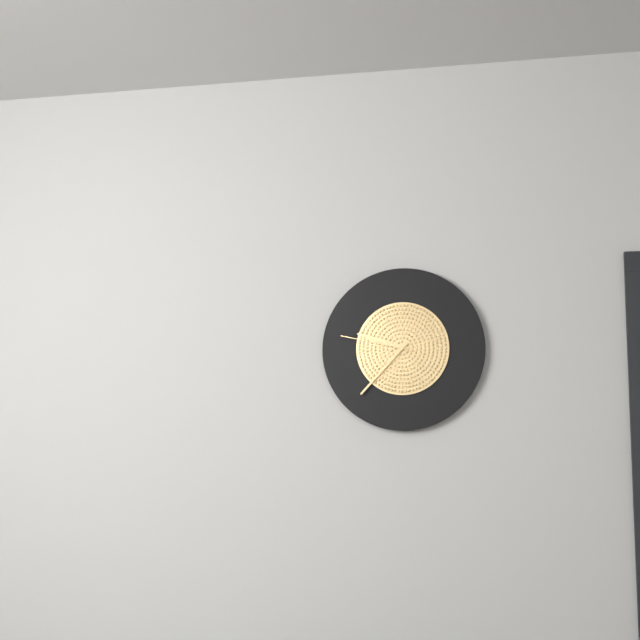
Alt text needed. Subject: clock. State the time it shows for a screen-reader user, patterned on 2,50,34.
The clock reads 9,37,47
